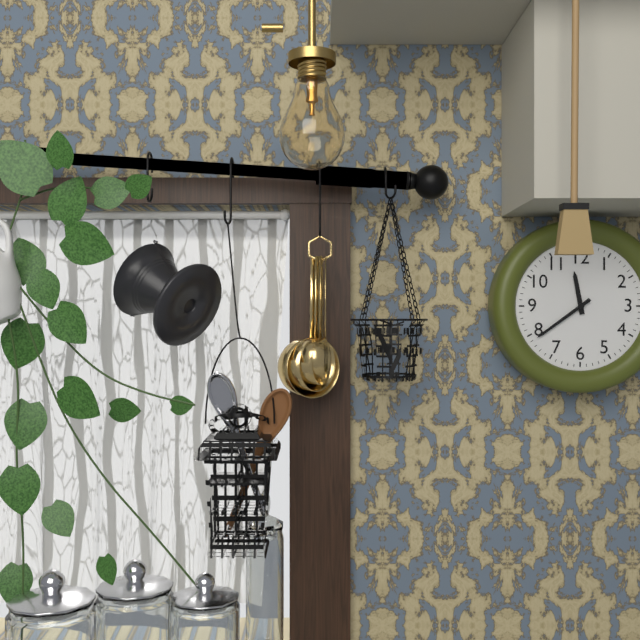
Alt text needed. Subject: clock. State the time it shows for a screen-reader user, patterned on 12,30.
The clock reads 11,39
